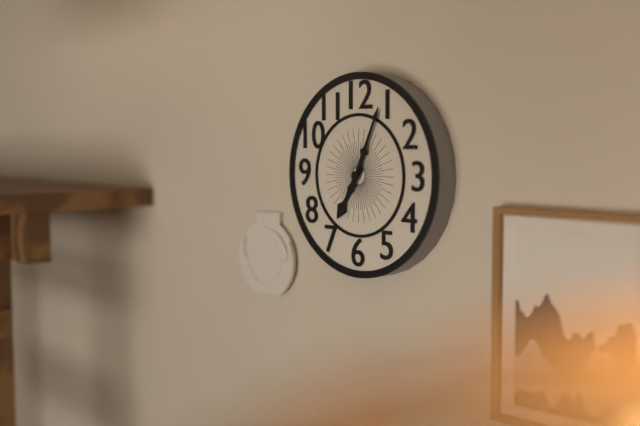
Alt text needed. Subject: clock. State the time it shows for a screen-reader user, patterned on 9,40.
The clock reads 7,04
